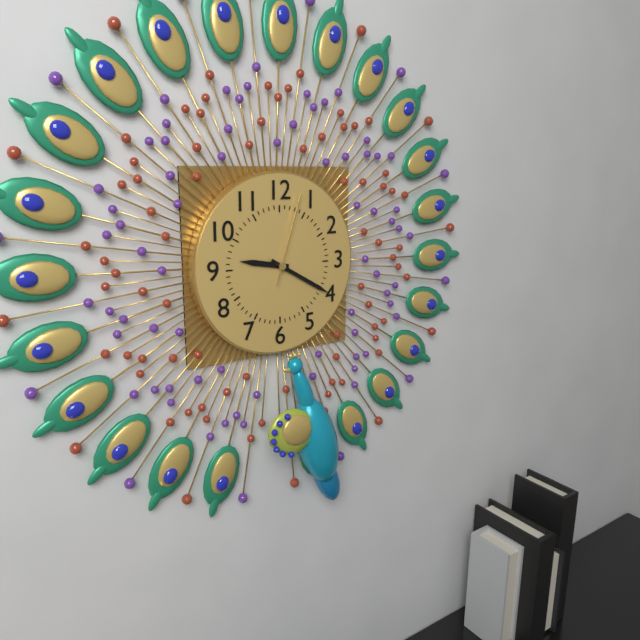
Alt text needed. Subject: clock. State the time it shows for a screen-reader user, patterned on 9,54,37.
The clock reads 9,20,03
